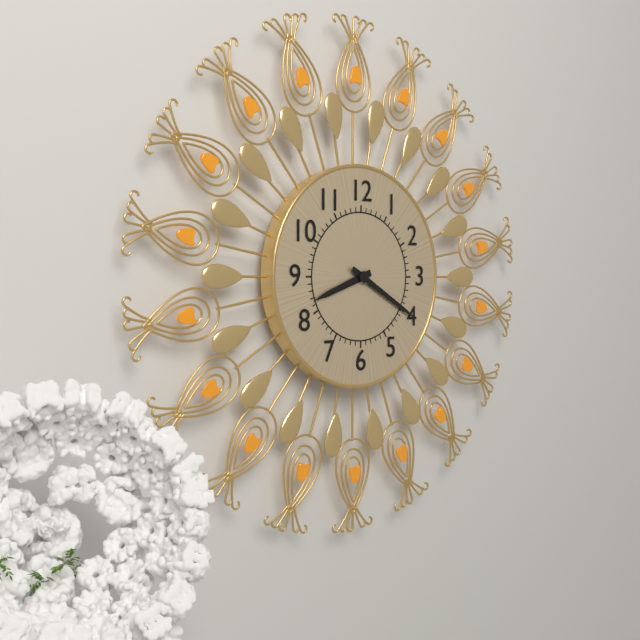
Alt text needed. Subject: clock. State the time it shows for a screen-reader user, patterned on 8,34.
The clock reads 8,20
